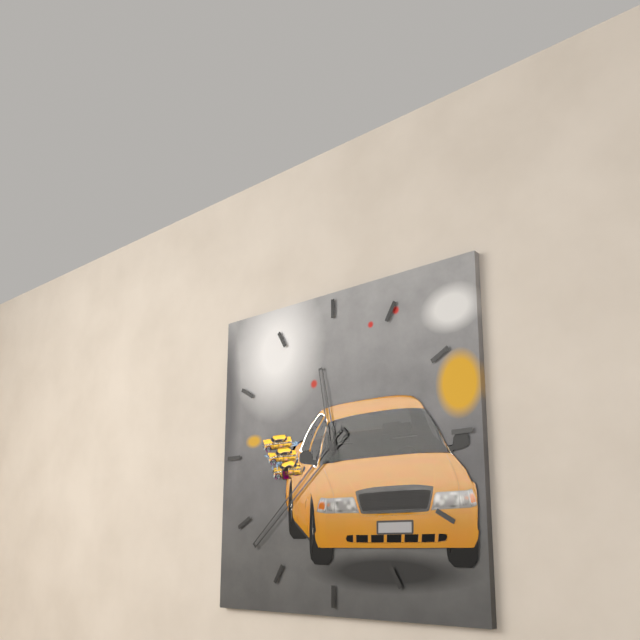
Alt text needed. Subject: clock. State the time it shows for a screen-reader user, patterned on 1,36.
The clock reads 11,38
